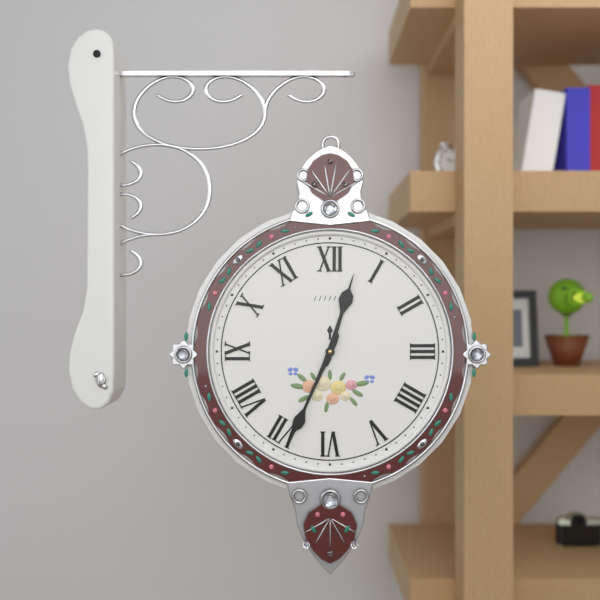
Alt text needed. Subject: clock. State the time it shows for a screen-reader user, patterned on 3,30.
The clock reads 12,34
